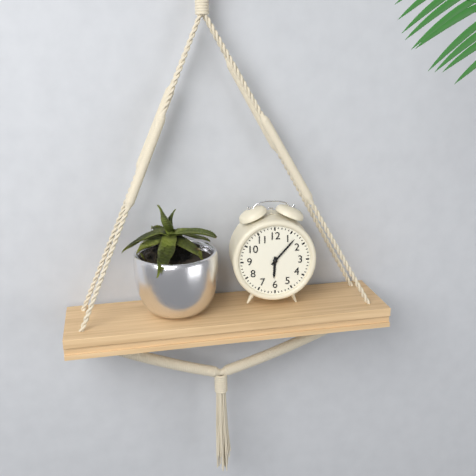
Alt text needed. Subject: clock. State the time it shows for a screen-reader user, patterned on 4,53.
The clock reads 6,07
